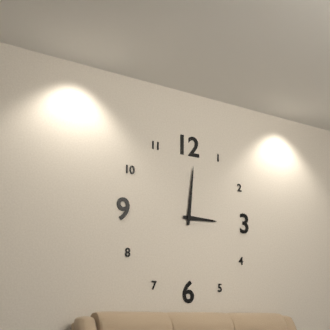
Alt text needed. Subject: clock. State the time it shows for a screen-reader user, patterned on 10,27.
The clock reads 3,01
